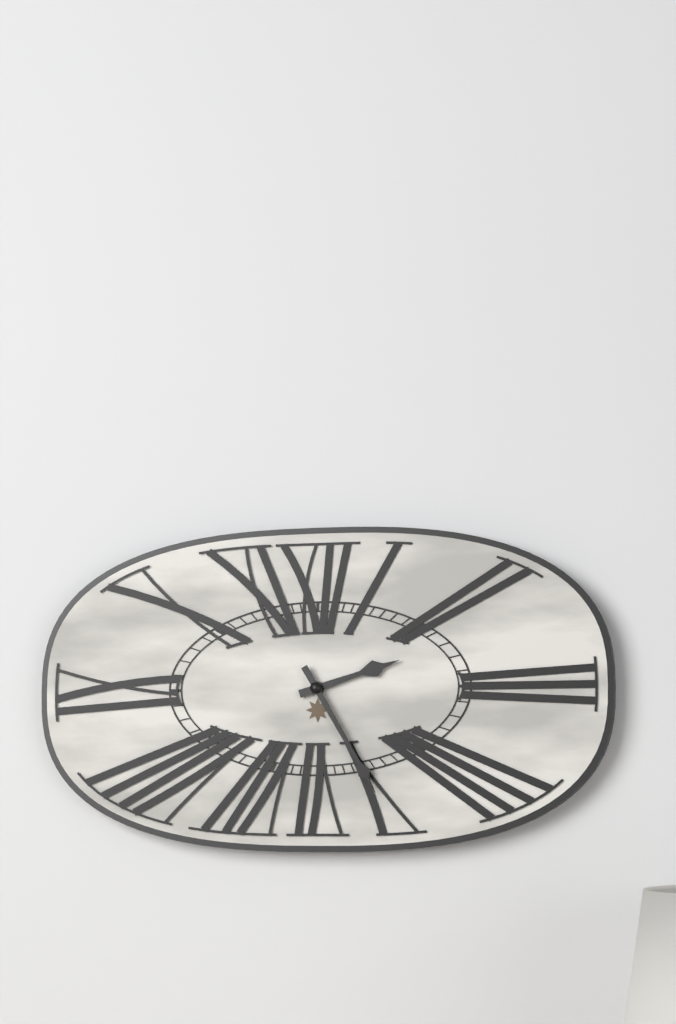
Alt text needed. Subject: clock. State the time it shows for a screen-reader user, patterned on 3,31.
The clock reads 2,25
